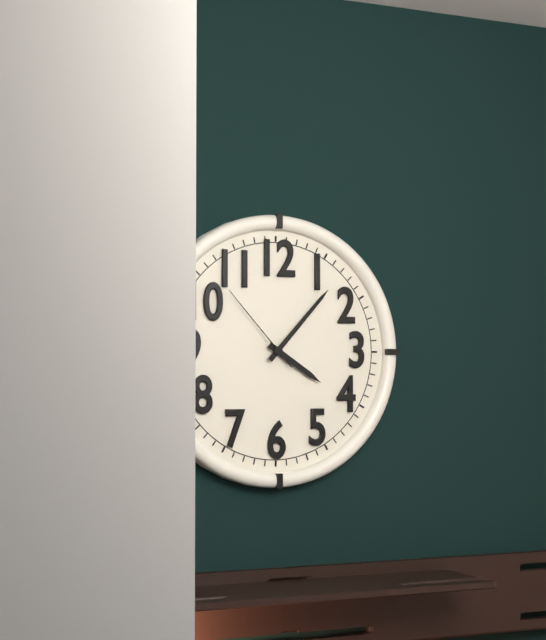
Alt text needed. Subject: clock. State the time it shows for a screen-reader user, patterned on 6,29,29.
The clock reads 4,07,53
